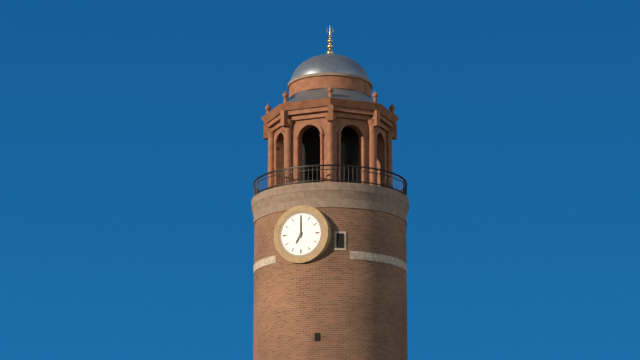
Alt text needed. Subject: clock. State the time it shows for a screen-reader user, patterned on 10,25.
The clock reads 7,00
